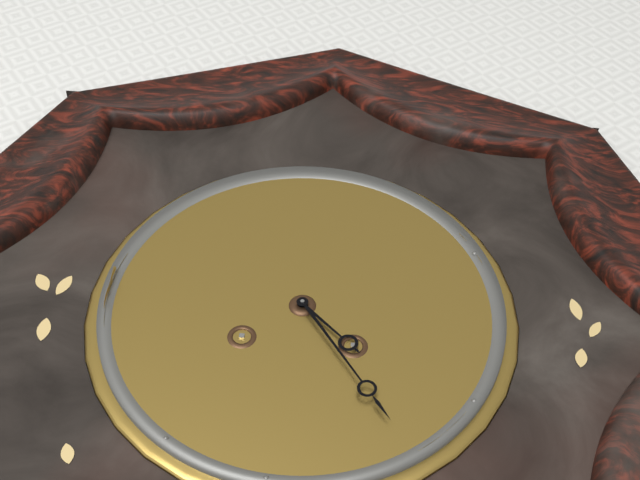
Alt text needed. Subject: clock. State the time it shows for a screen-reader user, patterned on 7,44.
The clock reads 4,24
